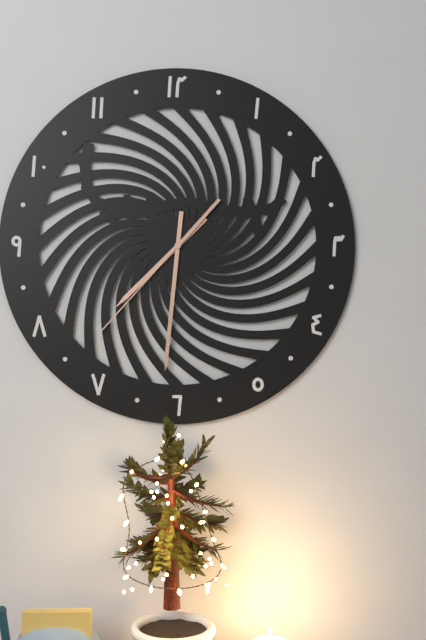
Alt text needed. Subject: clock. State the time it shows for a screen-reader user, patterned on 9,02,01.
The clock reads 7,31,37
